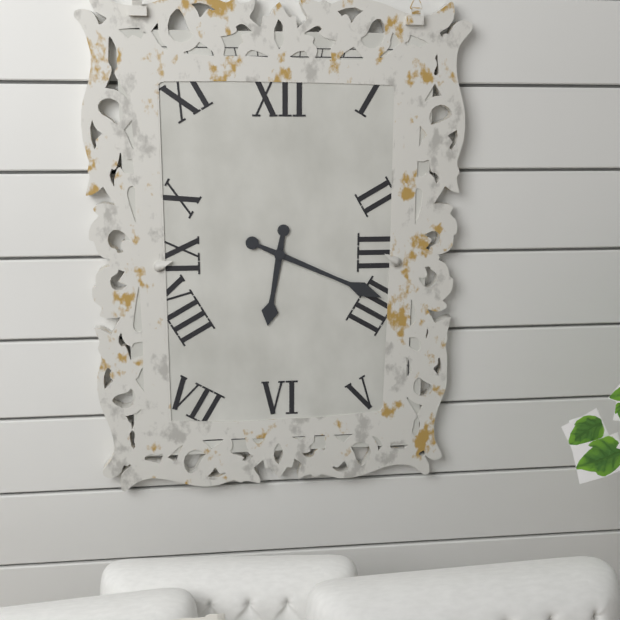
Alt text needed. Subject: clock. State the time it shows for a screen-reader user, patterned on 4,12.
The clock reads 6,19
